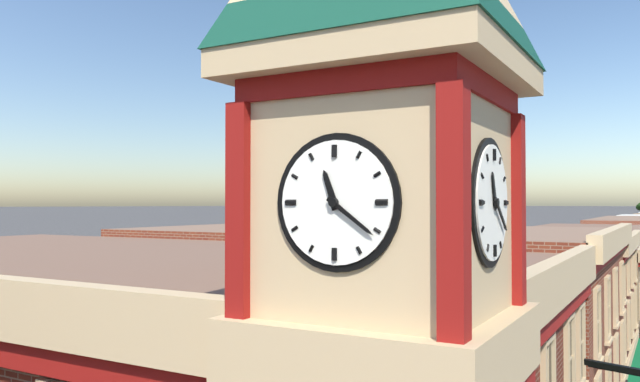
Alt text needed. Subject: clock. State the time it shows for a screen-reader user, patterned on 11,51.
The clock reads 11,21
